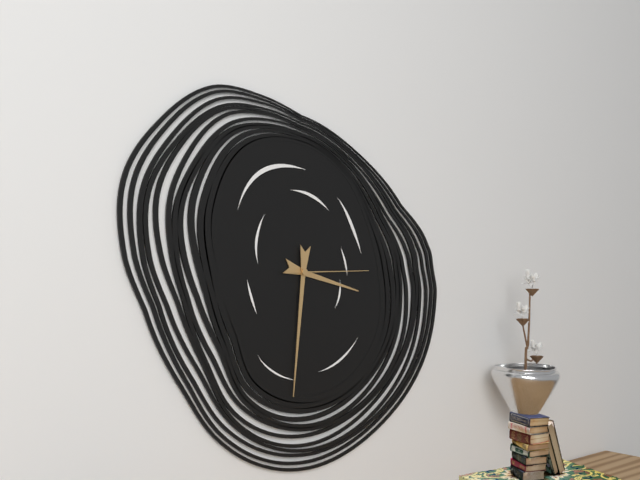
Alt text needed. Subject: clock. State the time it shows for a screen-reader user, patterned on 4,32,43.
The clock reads 3,31,15
